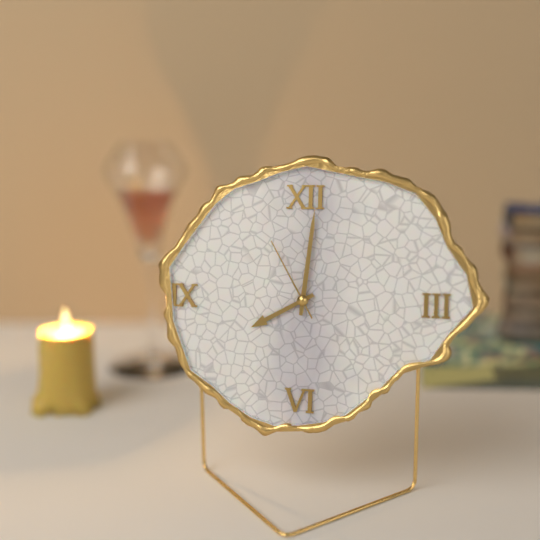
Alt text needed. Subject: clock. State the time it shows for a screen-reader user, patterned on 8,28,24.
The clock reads 8,01,55
